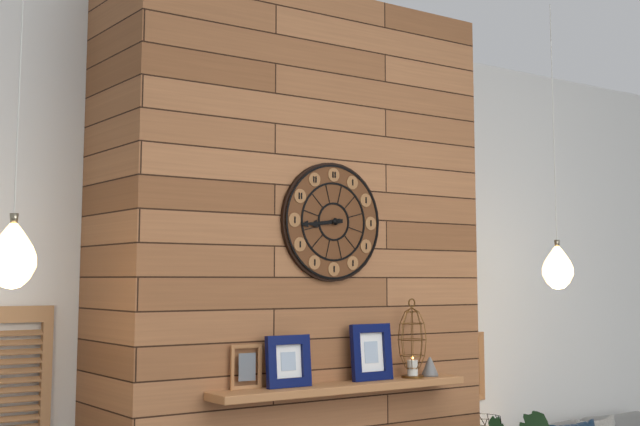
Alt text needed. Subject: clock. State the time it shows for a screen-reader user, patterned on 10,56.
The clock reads 8,44
